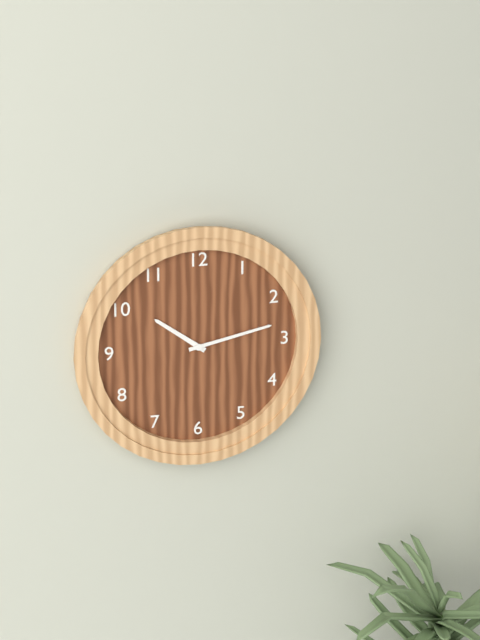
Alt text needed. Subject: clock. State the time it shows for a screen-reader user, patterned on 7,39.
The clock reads 10,13
